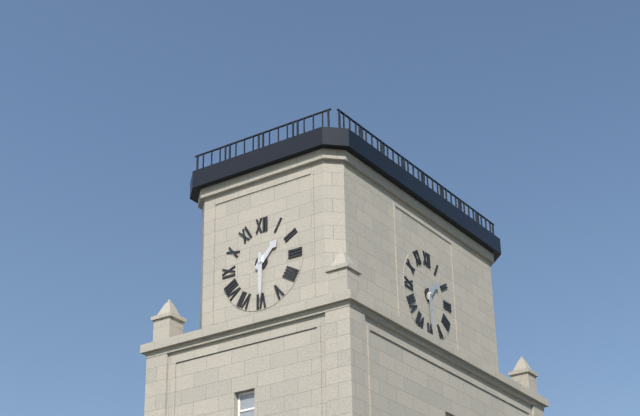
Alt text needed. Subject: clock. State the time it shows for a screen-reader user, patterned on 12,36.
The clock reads 1,30
